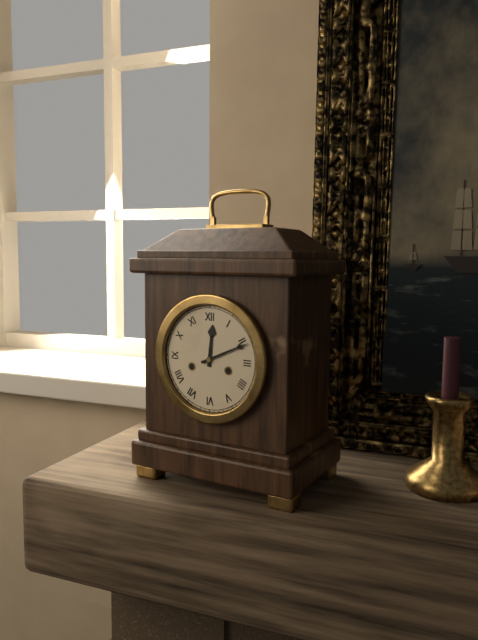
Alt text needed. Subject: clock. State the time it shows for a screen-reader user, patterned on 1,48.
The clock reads 12,11
